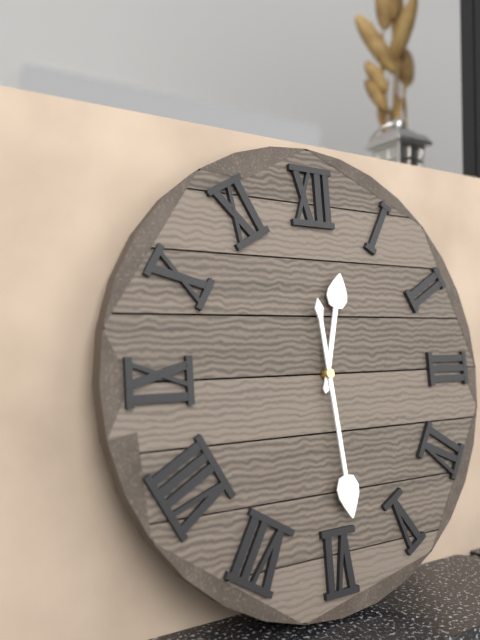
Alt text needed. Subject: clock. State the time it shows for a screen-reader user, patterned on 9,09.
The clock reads 12,29
